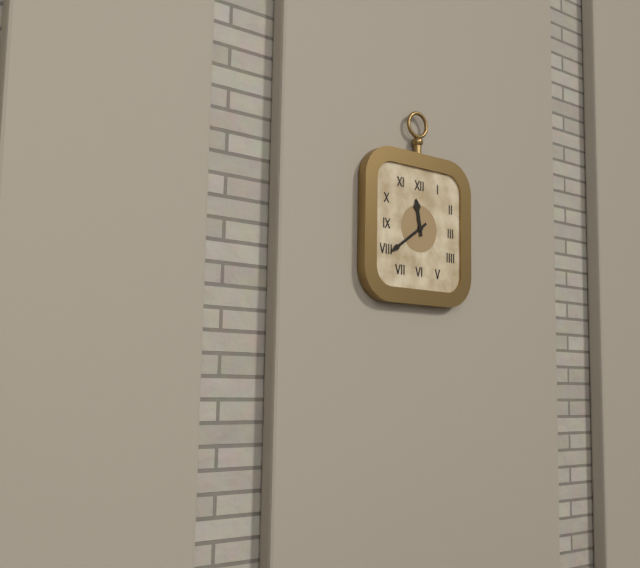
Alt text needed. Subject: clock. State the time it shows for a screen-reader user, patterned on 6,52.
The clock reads 11,39
